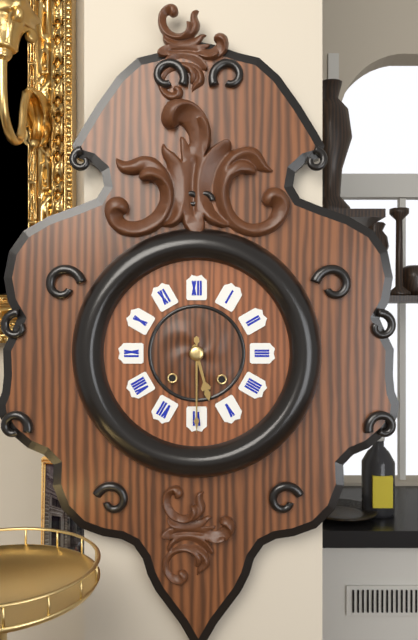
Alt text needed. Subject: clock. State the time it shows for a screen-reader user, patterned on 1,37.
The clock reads 5,30
